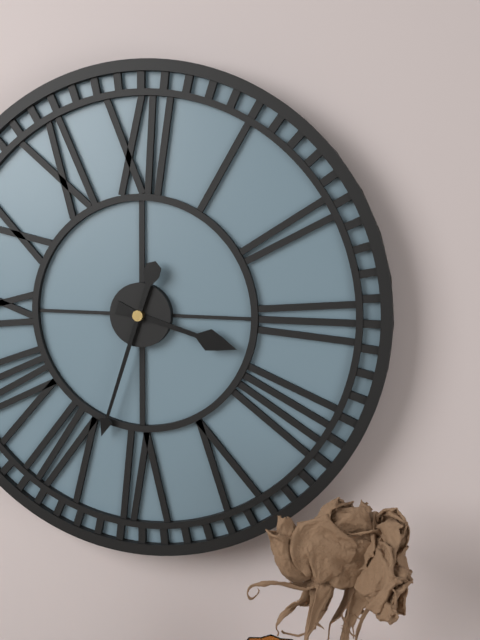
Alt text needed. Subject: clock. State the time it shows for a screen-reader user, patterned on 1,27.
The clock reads 3,33
